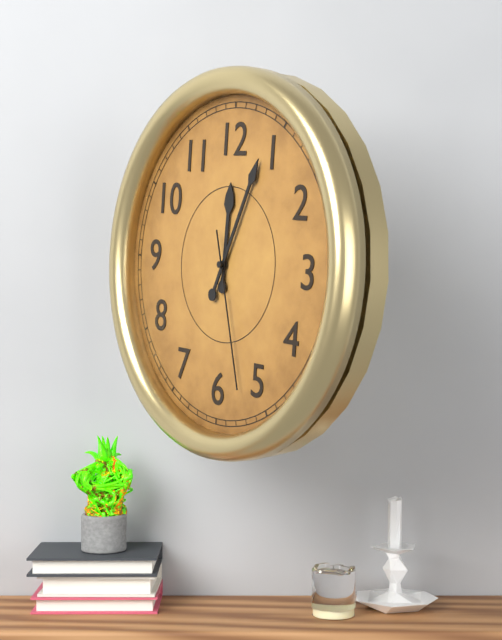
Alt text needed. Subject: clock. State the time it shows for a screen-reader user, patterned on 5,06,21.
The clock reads 12,04,27
